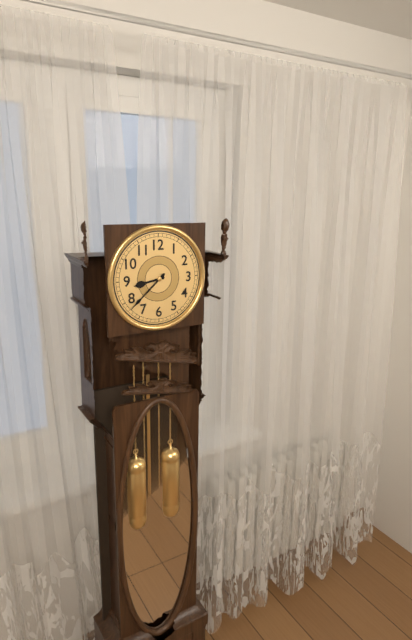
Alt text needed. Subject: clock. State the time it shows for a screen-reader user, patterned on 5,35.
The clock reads 8,38
